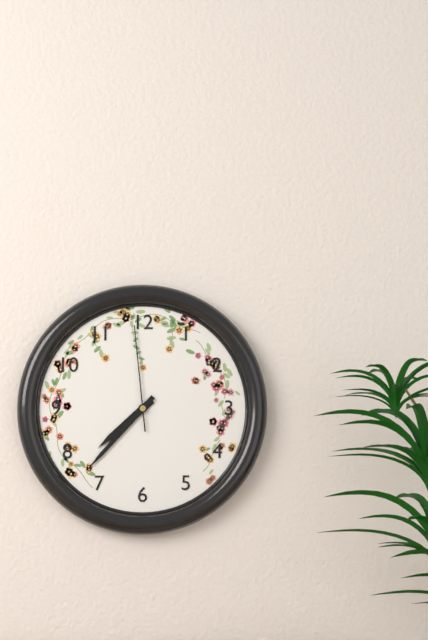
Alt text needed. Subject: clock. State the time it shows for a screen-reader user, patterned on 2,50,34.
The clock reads 7,37,59
